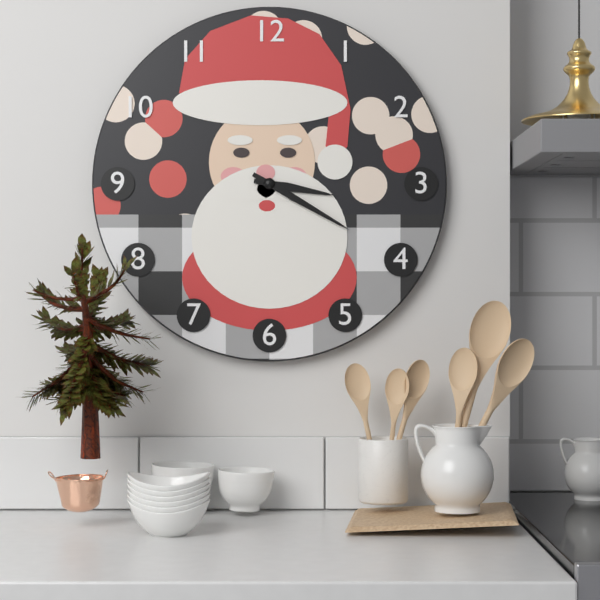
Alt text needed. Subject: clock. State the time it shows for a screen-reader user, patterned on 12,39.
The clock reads 3,20
